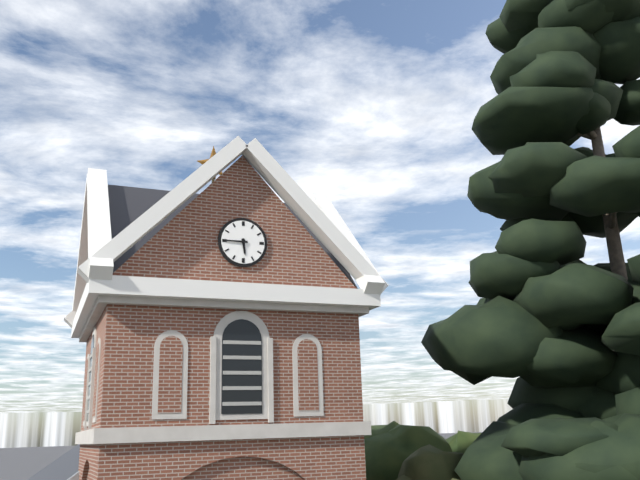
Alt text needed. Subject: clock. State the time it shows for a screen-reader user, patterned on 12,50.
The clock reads 5,45
